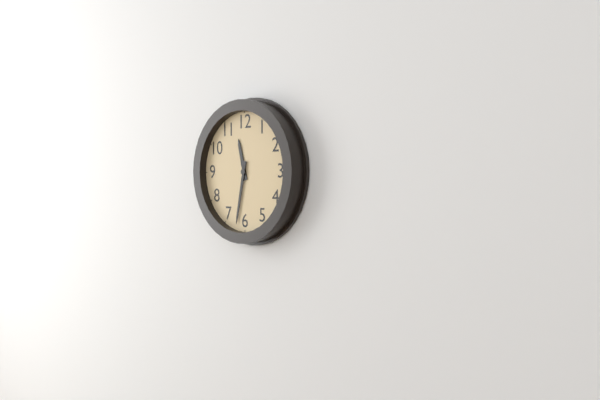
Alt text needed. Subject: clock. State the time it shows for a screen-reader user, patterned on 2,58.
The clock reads 11,32
